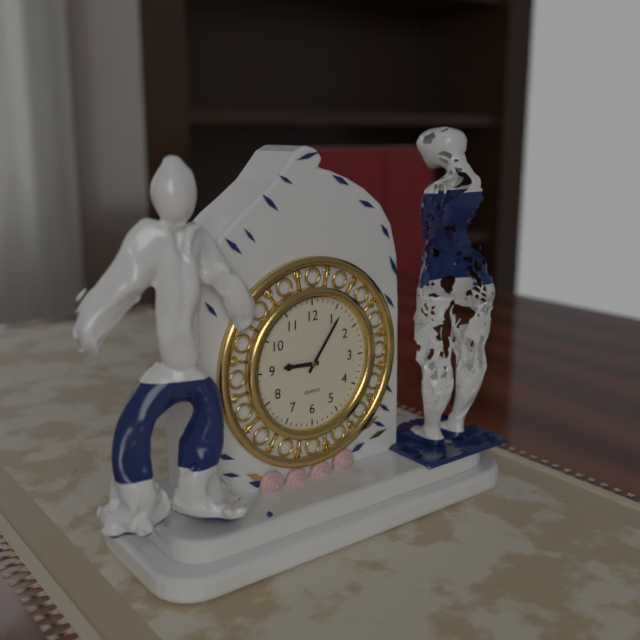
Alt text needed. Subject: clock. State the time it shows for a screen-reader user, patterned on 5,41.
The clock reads 9,06
